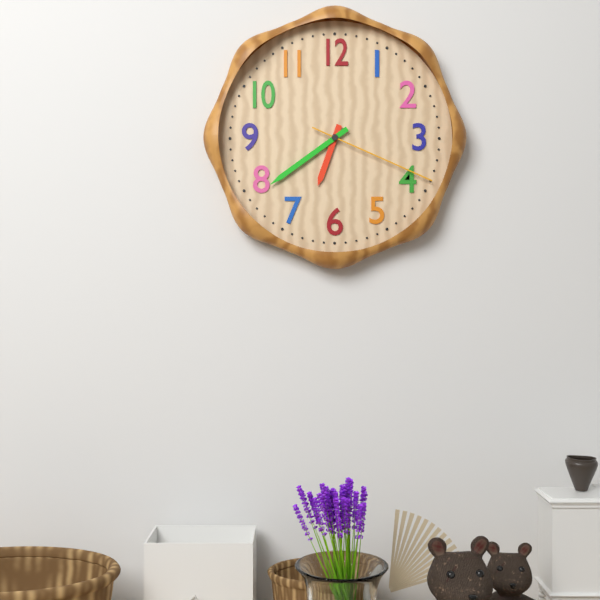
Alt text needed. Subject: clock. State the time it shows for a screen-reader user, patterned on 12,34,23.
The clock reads 6,39,19
